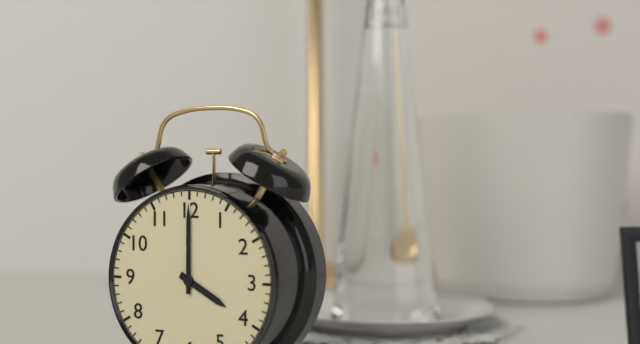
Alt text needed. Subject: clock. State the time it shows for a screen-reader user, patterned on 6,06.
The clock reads 4,00
